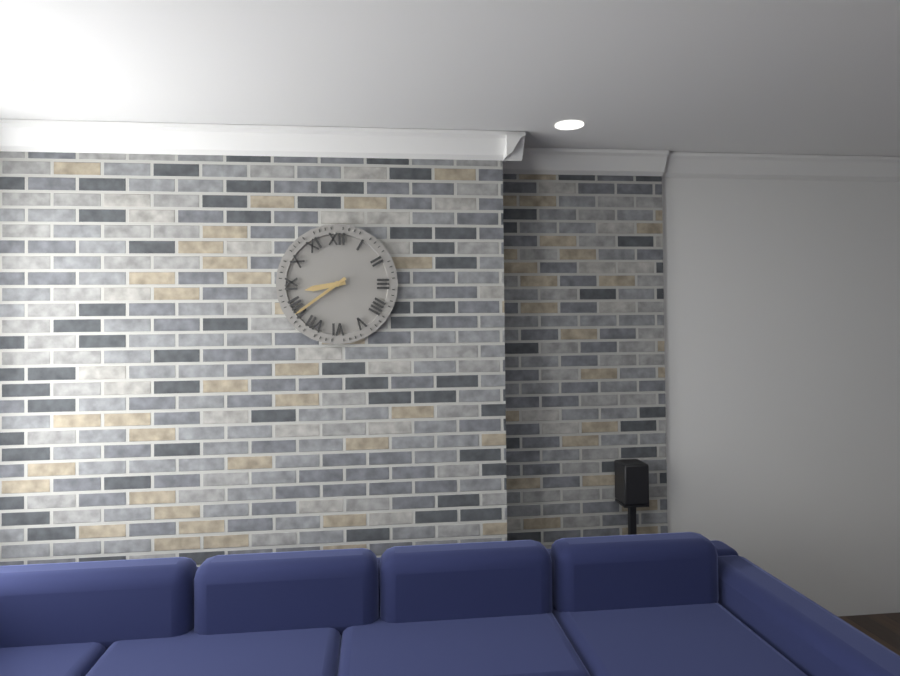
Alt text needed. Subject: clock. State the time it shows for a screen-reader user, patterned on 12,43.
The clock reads 8,39
